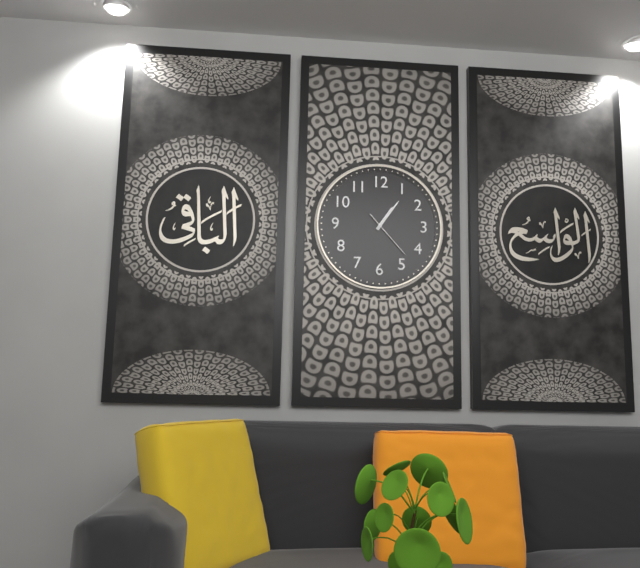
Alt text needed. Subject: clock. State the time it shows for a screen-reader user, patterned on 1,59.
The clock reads 1,06
